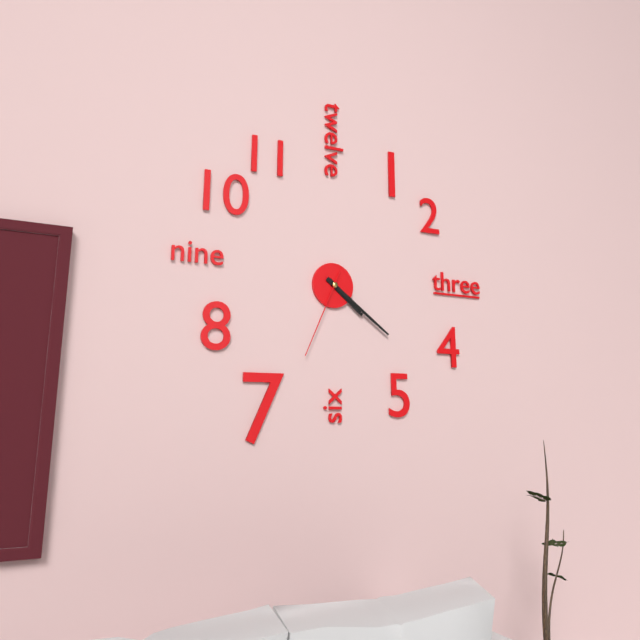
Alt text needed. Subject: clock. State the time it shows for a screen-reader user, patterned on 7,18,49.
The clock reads 4,21,34
